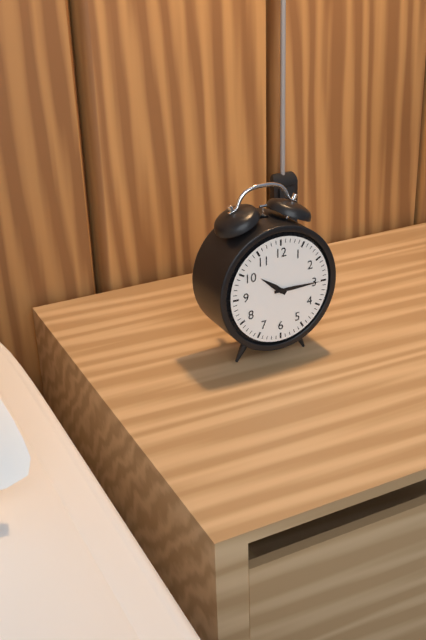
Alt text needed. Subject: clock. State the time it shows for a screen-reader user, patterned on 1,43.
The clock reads 10,15
